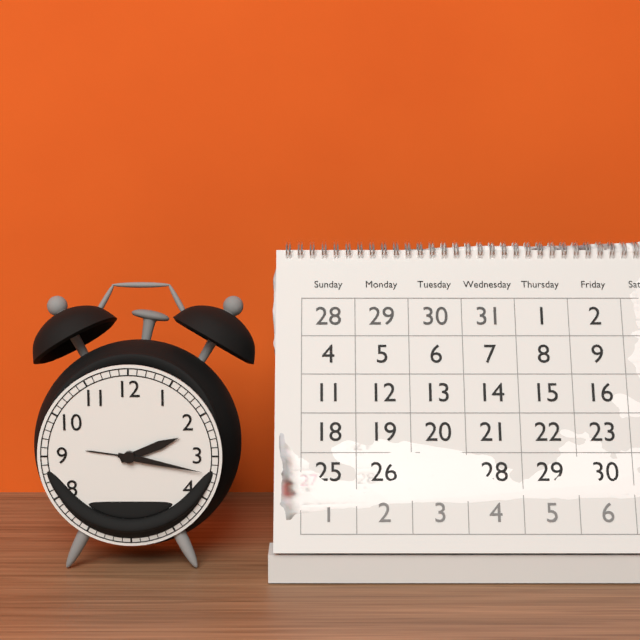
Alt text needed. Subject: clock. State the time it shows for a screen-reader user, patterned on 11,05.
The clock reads 2,17
